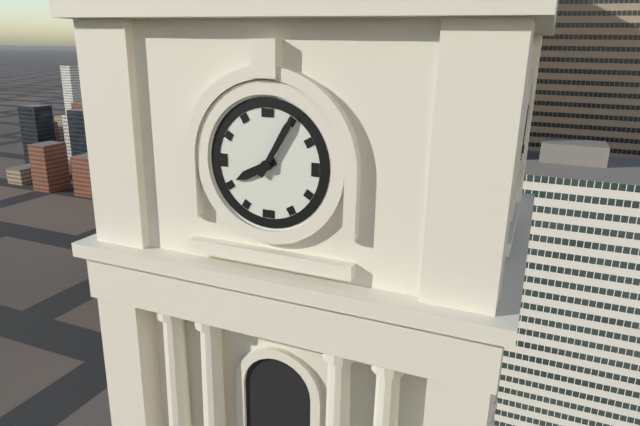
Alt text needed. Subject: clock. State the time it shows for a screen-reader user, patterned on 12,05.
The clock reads 8,05
